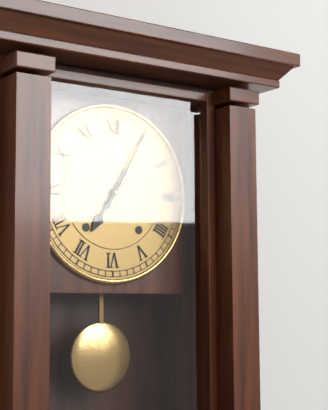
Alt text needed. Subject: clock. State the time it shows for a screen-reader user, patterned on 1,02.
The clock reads 7,05
